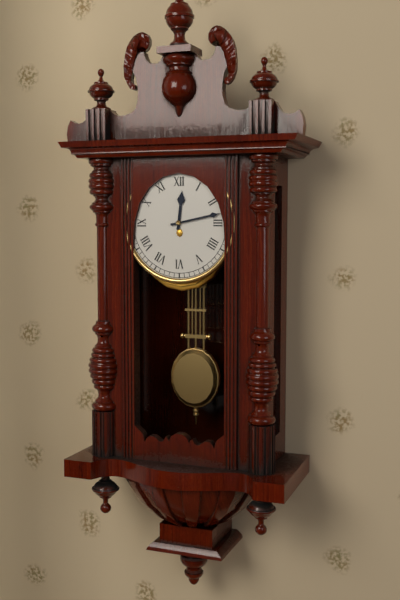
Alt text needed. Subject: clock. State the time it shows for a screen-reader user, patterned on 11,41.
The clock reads 12,13
